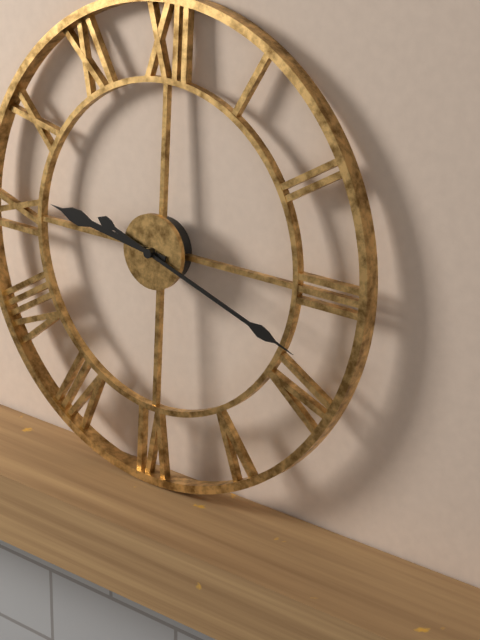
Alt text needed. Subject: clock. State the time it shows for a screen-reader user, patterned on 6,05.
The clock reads 9,18
